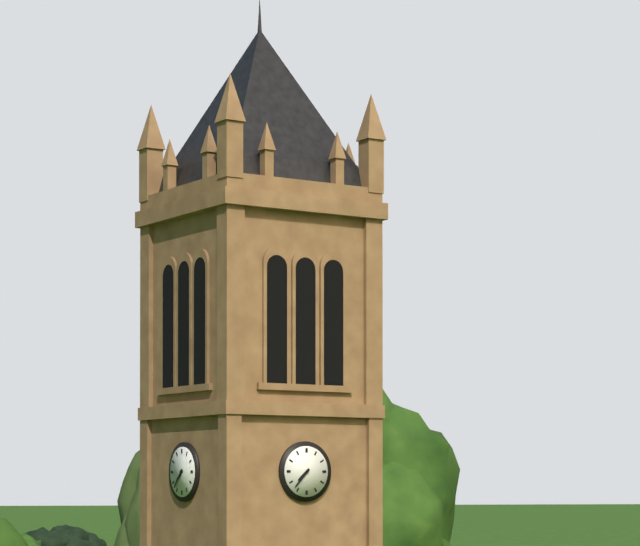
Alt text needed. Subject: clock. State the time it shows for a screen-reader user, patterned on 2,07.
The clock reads 7,37
